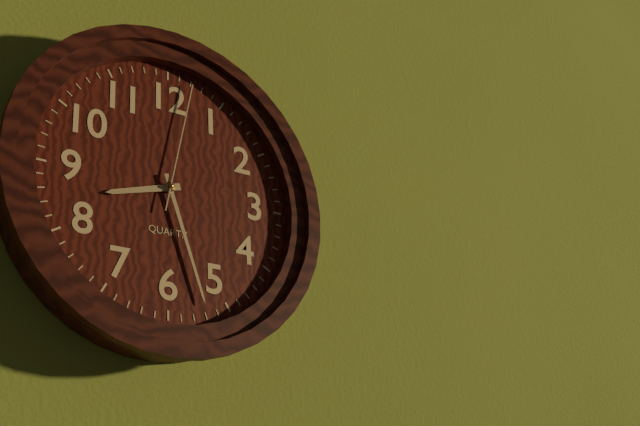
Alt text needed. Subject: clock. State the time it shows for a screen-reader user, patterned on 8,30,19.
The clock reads 8,27,02
